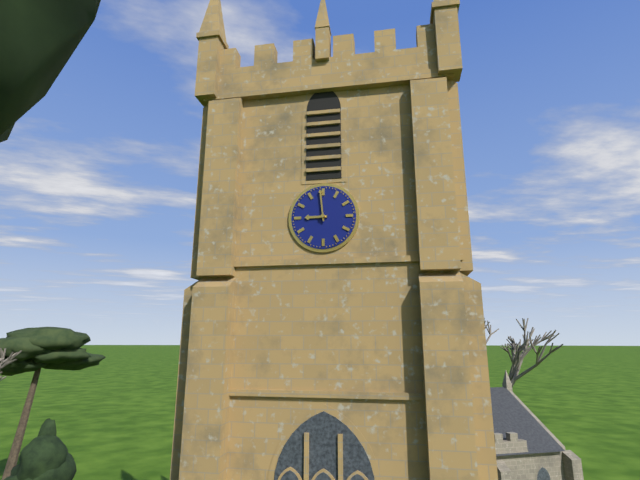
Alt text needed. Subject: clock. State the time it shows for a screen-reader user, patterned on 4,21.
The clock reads 8,59
